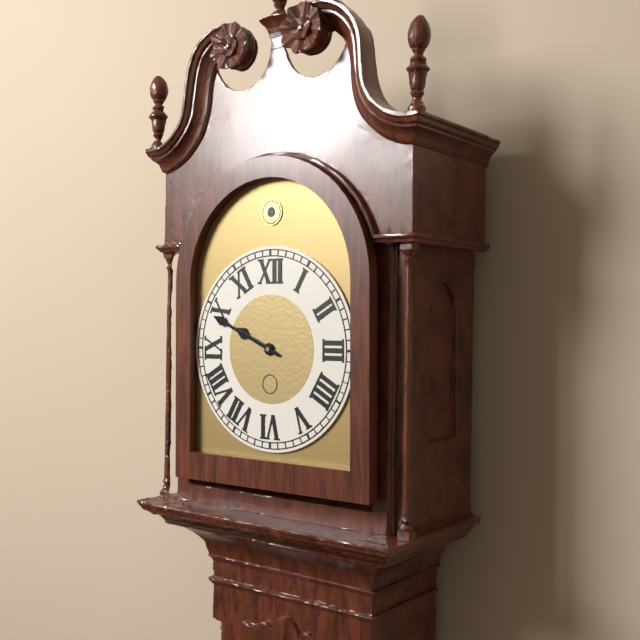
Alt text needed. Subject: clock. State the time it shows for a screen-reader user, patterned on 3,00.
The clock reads 9,49
